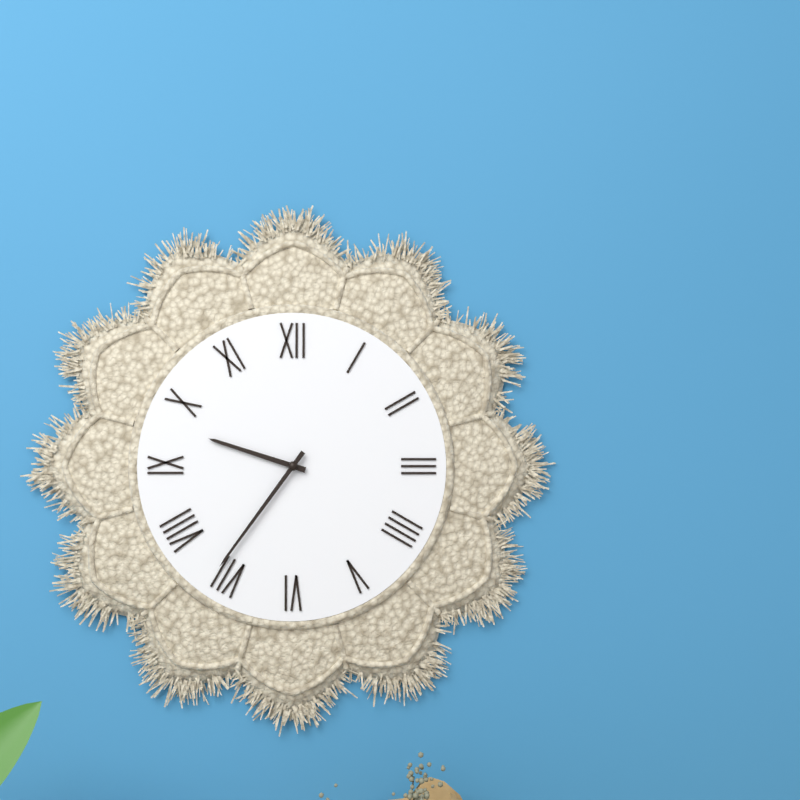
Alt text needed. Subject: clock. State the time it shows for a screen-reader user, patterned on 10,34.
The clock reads 9,36
